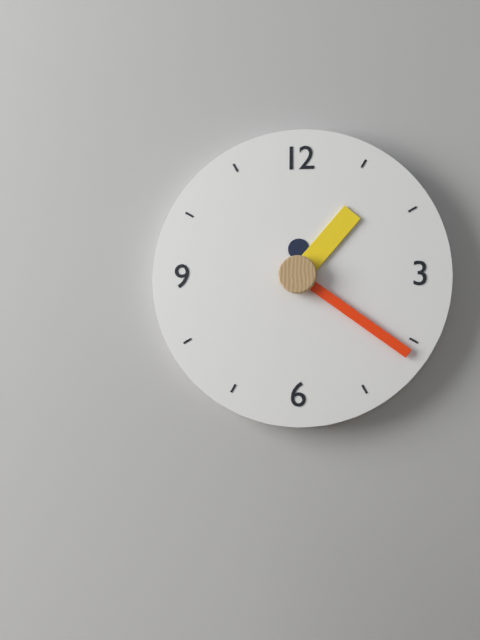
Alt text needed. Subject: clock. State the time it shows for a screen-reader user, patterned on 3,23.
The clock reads 1,21
